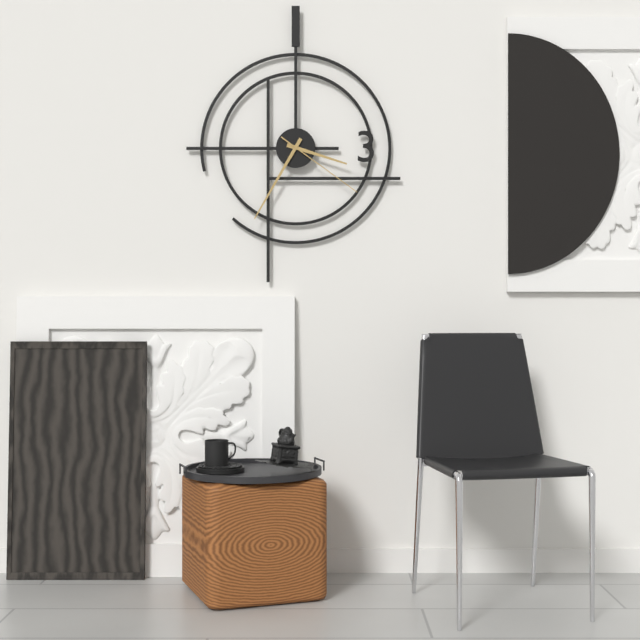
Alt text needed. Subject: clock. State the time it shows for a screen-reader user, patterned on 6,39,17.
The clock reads 3,35,21
